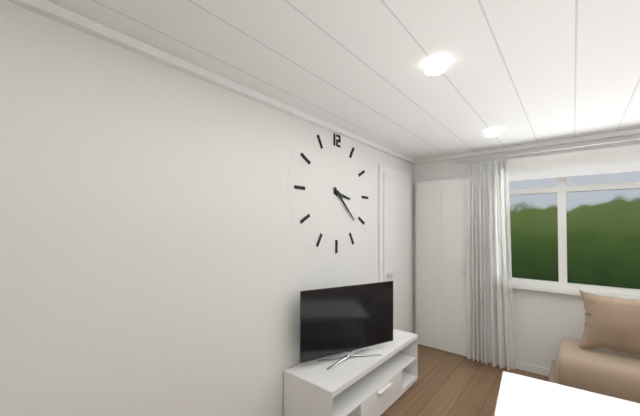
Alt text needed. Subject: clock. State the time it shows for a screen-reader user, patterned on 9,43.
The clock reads 3,22
